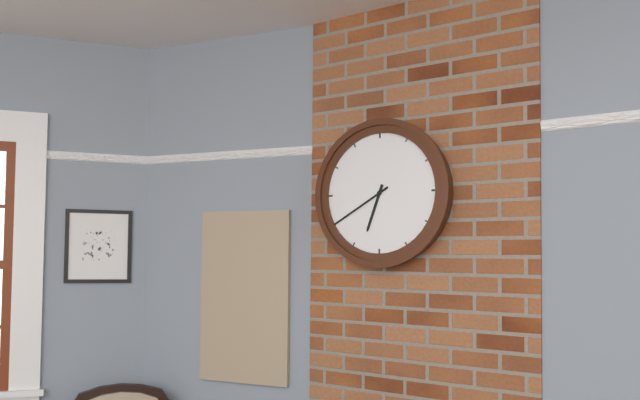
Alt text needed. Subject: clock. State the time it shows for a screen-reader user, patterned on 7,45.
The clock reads 6,40
